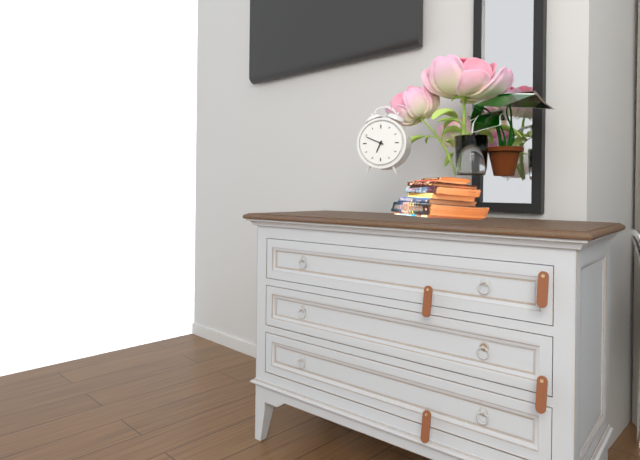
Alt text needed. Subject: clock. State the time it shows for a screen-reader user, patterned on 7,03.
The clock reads 6,49
